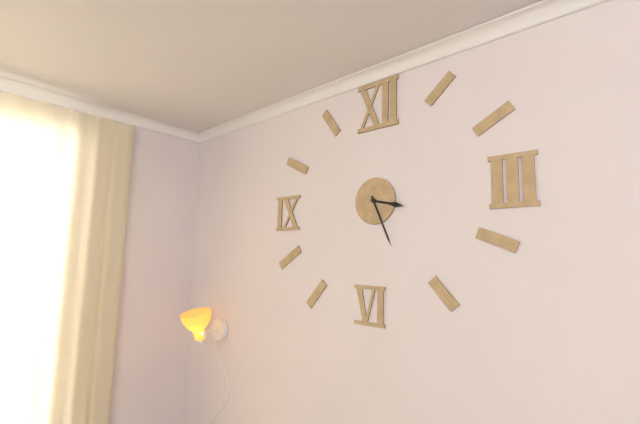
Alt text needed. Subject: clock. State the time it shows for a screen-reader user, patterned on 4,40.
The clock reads 3,26
